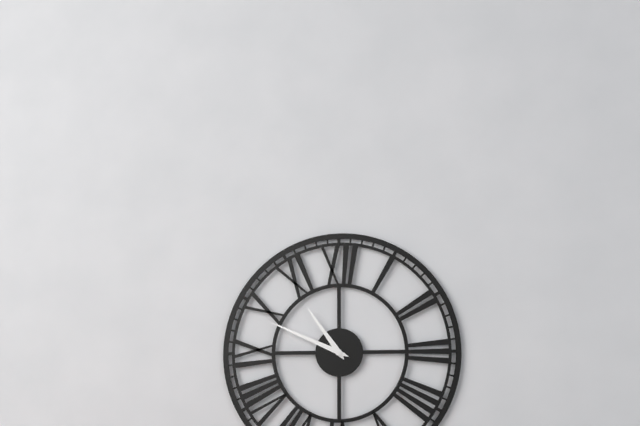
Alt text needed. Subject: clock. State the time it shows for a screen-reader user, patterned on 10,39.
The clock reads 10,49
